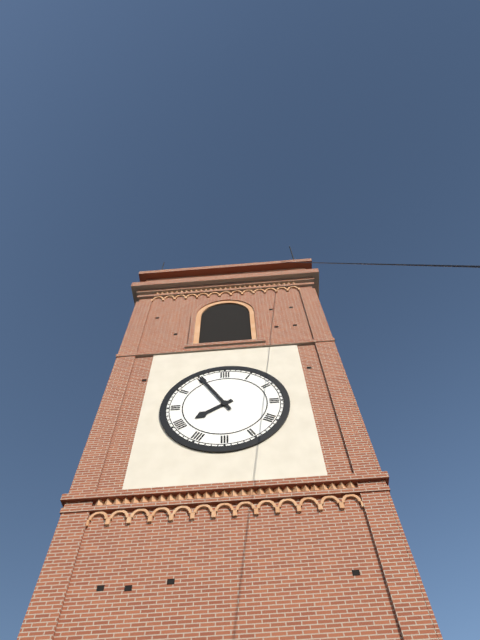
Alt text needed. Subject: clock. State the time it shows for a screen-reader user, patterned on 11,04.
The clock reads 7,55
